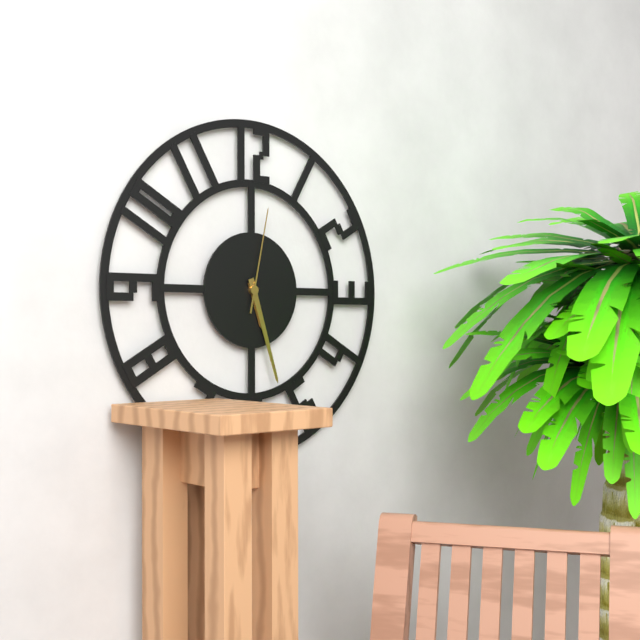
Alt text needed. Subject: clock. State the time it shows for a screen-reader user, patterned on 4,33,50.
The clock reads 5,27,02
